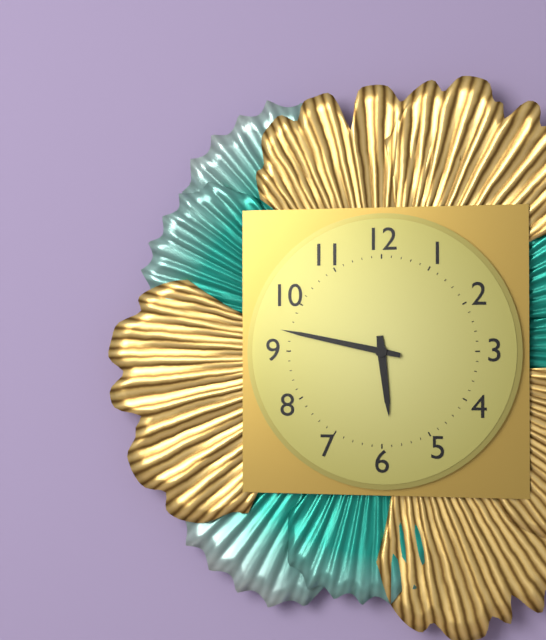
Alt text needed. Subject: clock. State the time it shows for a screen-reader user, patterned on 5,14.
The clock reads 5,47
